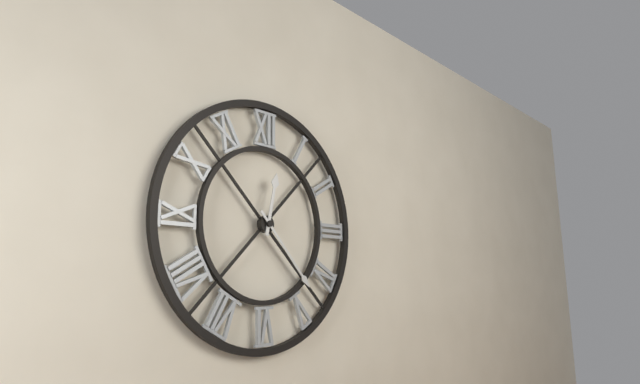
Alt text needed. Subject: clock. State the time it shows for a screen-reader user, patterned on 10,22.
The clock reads 12,23
